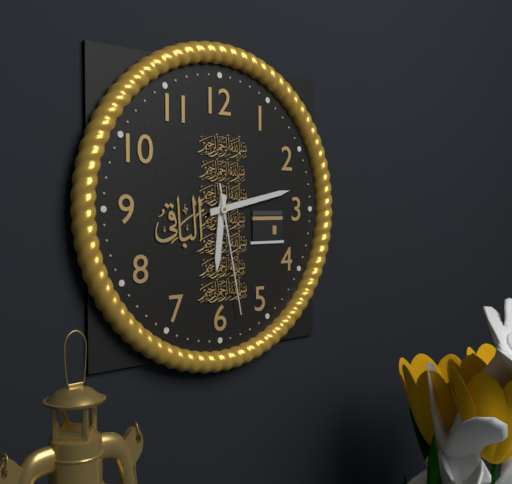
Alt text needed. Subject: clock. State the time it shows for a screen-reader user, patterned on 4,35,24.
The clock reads 6,13,28
